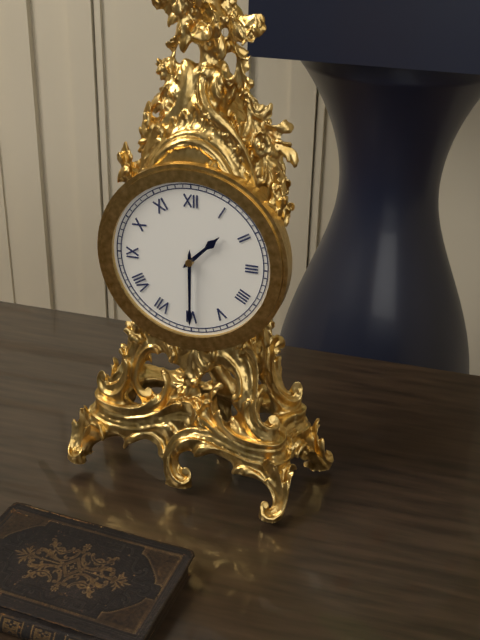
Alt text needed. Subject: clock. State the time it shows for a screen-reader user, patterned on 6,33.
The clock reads 1,30
